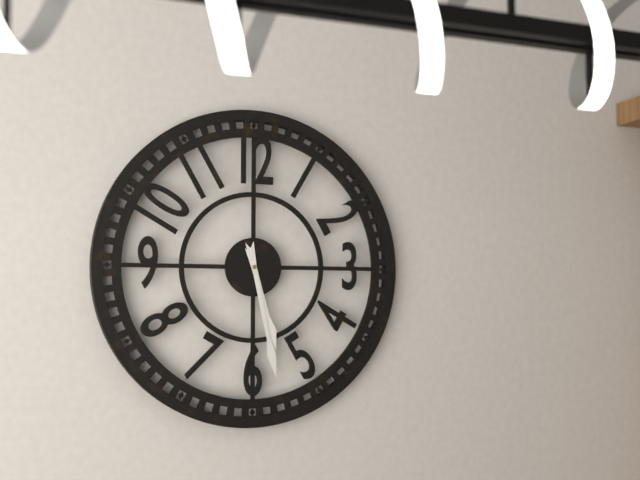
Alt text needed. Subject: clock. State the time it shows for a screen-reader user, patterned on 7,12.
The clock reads 5,28
